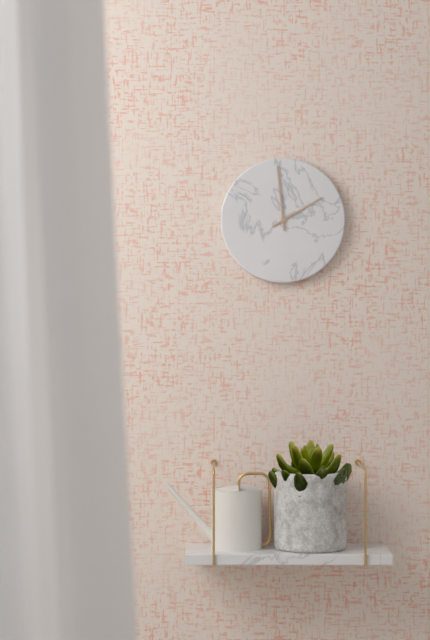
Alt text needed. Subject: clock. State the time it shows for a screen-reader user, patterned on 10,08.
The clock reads 1,59
